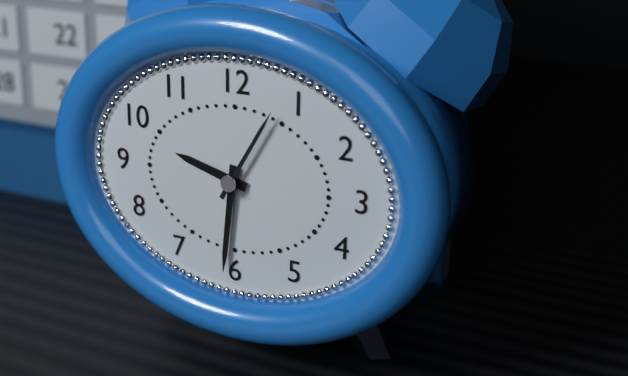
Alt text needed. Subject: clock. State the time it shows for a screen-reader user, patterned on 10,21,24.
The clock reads 9,31,05
